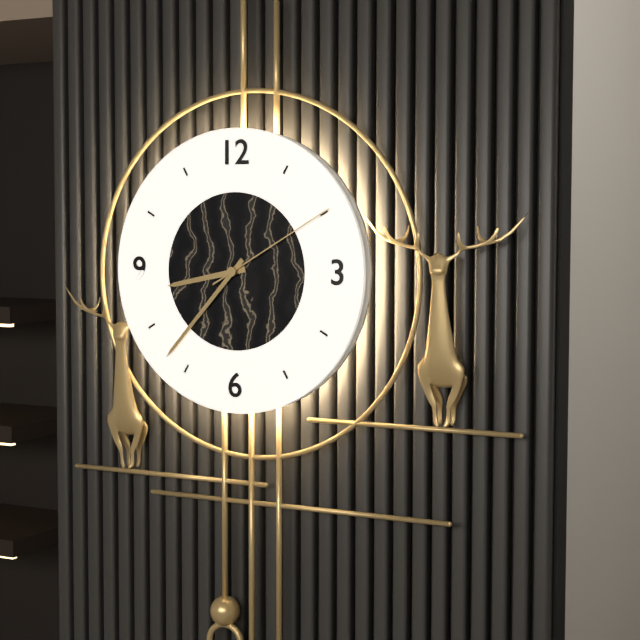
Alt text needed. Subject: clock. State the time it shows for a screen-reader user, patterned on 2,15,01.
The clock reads 8,37,10
